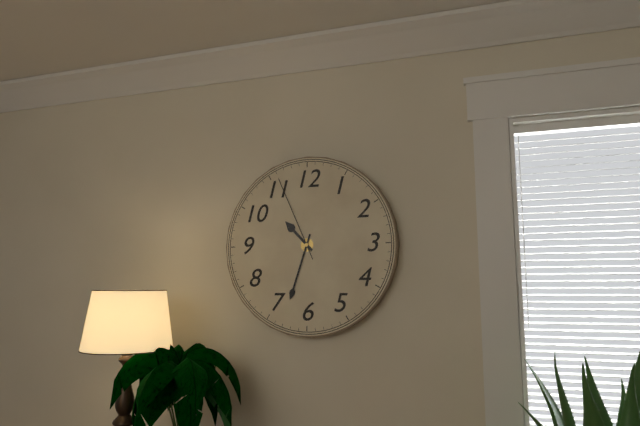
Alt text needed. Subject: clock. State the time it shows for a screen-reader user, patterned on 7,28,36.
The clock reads 10,33,56
